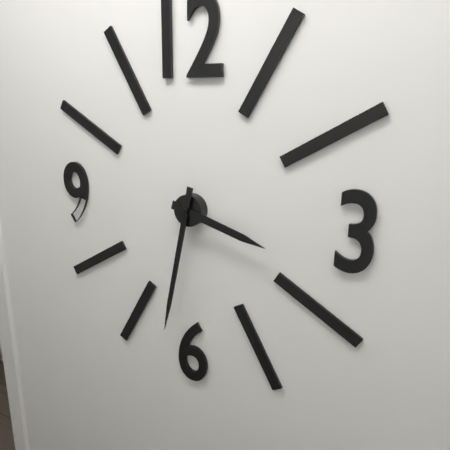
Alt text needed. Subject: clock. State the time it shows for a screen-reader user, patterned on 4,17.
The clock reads 3,32
